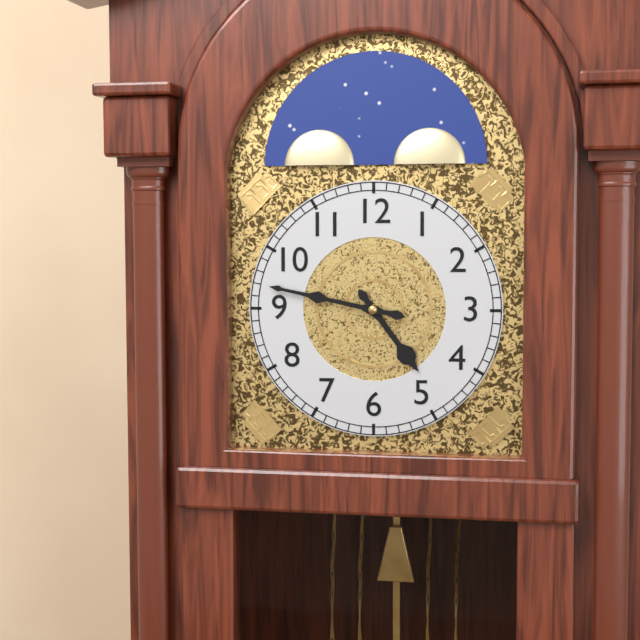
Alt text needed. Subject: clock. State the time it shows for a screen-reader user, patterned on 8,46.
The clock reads 4,47
